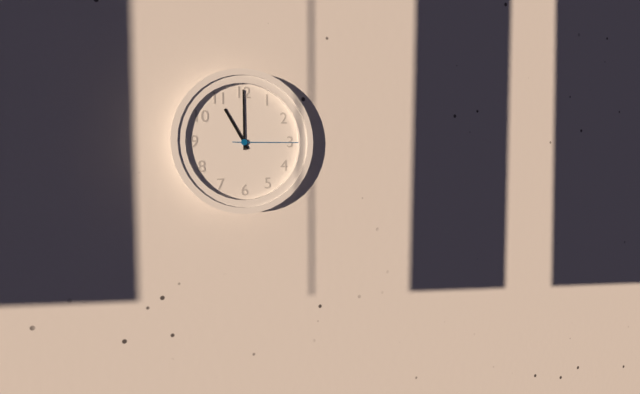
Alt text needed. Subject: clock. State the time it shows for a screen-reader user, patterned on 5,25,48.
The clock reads 11,00,15
